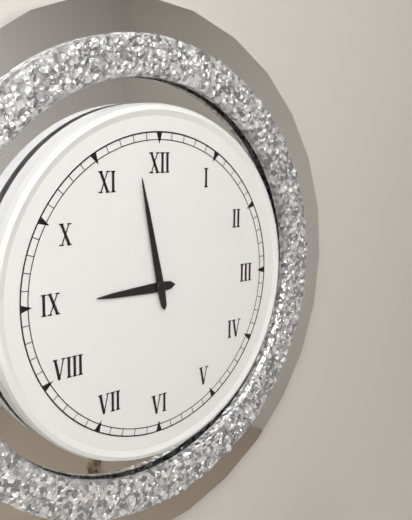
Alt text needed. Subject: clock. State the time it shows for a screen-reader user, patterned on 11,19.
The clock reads 8,58
